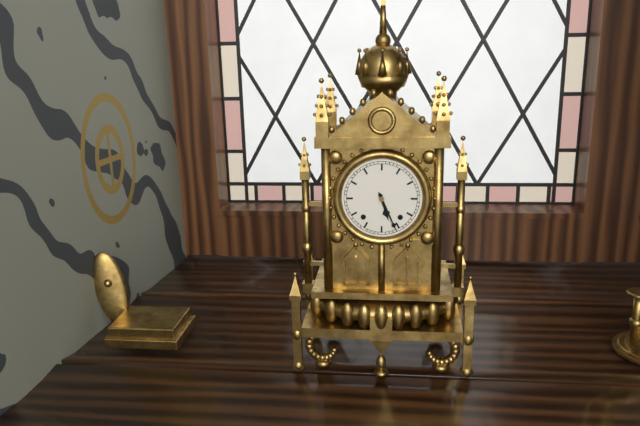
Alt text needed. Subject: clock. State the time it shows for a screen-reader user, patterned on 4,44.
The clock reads 5,26
